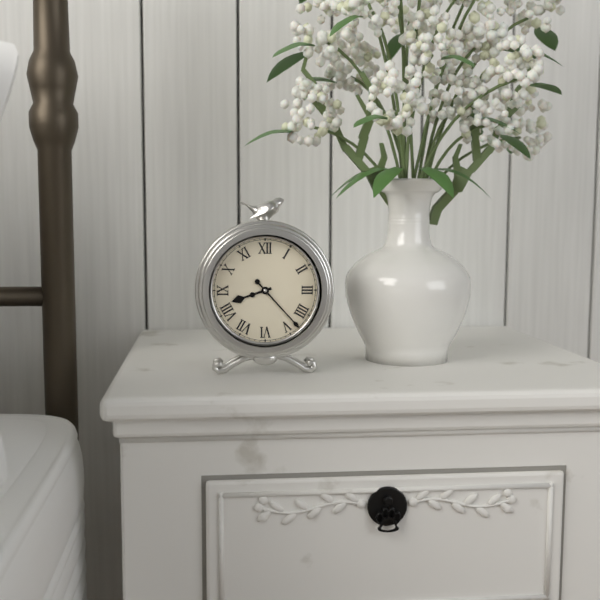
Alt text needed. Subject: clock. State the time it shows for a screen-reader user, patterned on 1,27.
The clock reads 8,23
